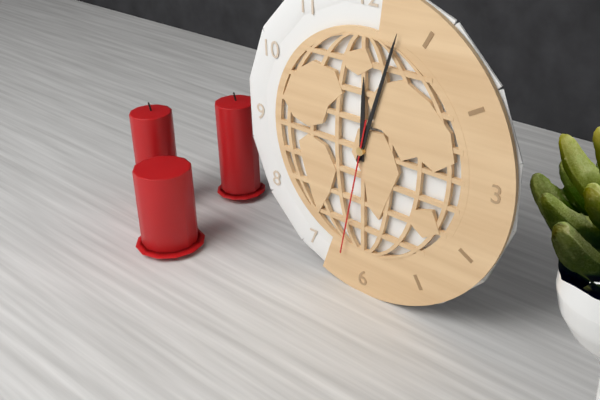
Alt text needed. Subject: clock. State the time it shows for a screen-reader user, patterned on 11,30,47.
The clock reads 12,03,32
